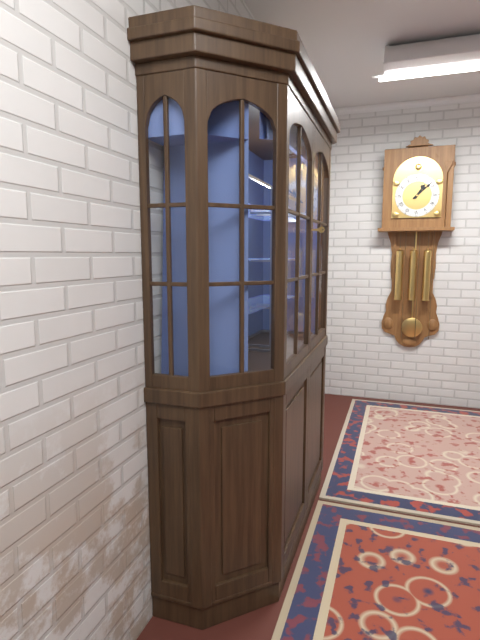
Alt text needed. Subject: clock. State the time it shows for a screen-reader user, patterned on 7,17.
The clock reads 1,08
